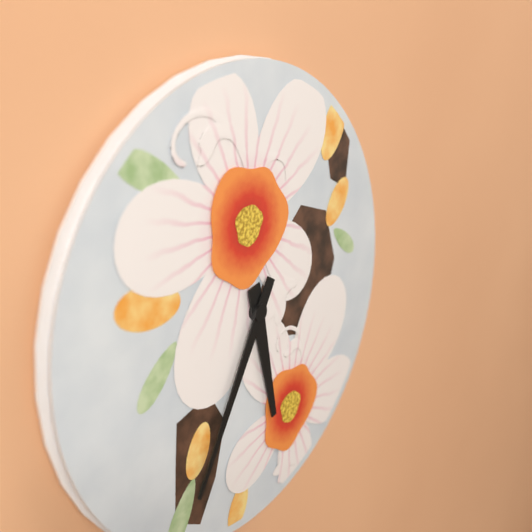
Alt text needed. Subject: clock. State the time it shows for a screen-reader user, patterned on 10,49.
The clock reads 5,35
